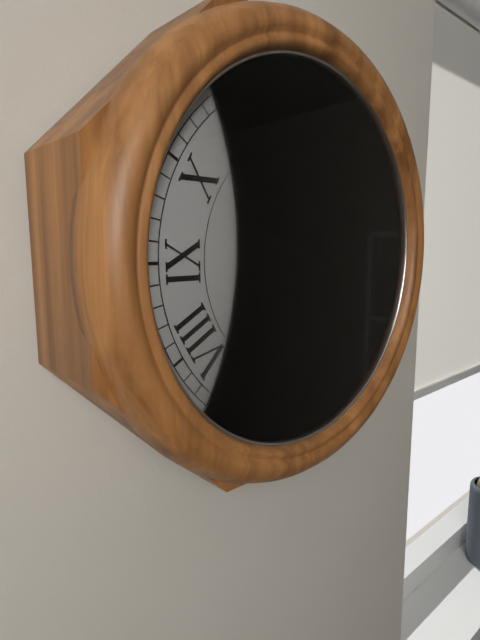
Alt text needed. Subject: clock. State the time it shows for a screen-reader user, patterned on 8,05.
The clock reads 12,21
